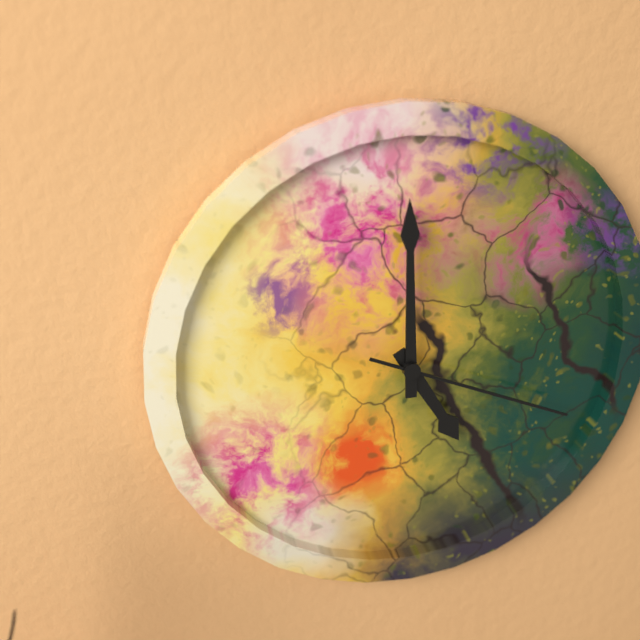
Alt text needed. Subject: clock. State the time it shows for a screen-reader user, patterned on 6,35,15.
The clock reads 5,00,19
